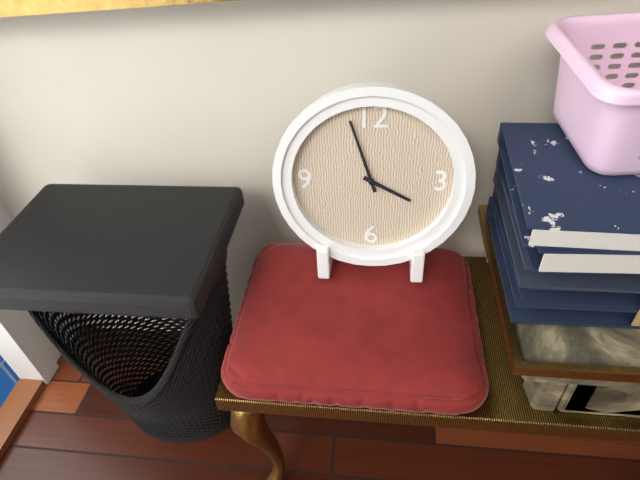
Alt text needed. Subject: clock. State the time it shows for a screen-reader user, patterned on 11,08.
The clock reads 3,57
